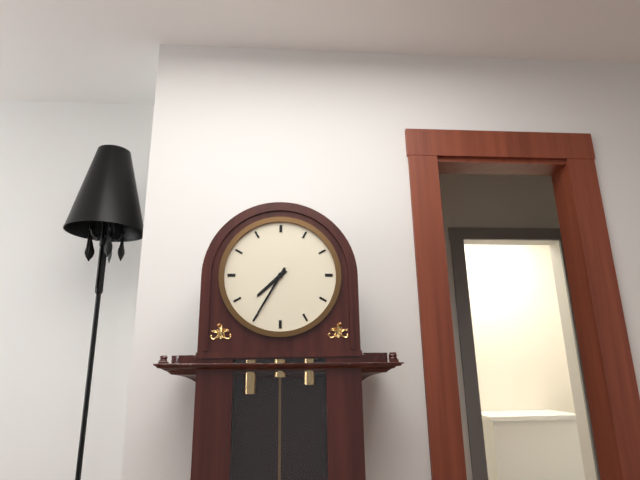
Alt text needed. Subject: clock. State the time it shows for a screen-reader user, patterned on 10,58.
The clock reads 7,35
